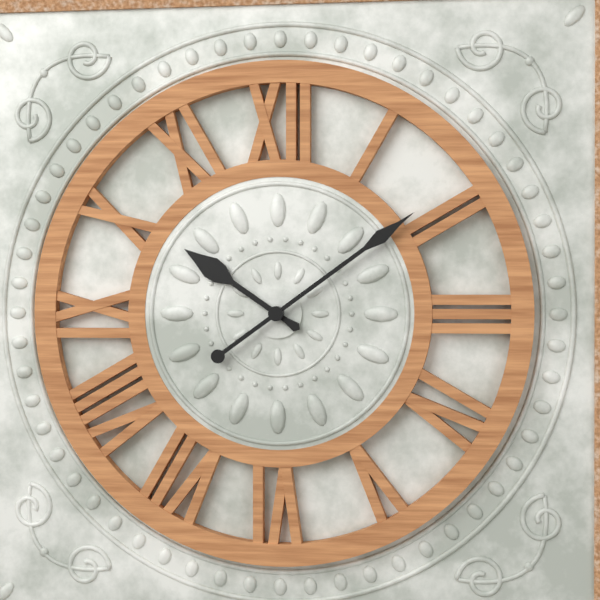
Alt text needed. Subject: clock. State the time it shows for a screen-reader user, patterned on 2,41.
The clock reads 10,09
